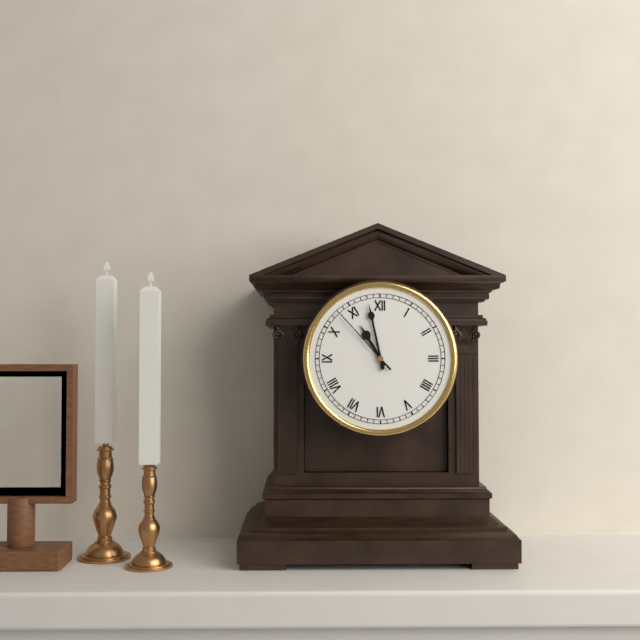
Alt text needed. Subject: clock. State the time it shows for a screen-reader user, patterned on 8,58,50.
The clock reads 10,58,53
